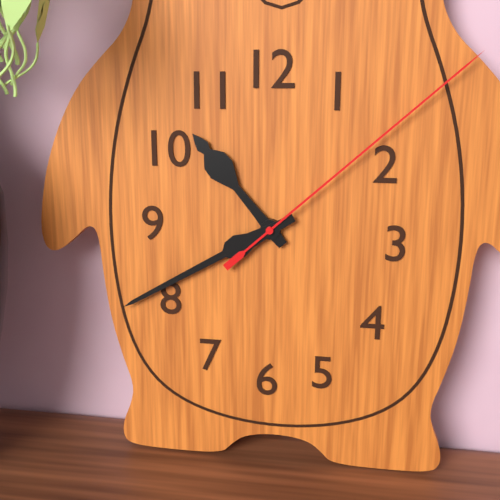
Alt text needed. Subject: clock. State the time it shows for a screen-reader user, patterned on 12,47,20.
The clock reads 10,40,08
